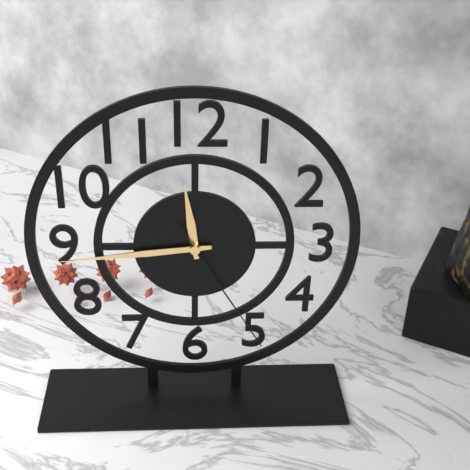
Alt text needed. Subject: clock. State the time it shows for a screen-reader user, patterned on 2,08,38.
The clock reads 11,44,25
